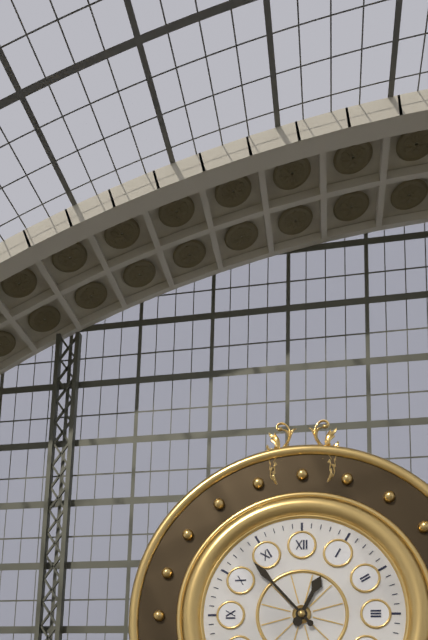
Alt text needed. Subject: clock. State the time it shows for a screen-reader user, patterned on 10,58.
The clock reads 12,53
